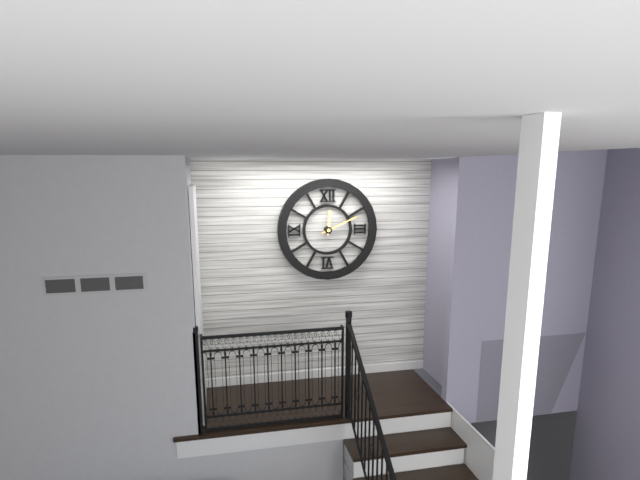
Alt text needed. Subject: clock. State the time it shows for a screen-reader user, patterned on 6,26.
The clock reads 12,11
